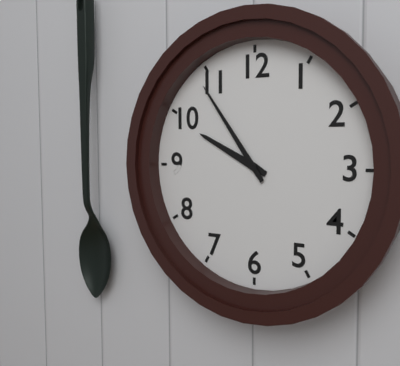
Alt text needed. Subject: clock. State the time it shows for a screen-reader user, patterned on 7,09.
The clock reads 9,54
